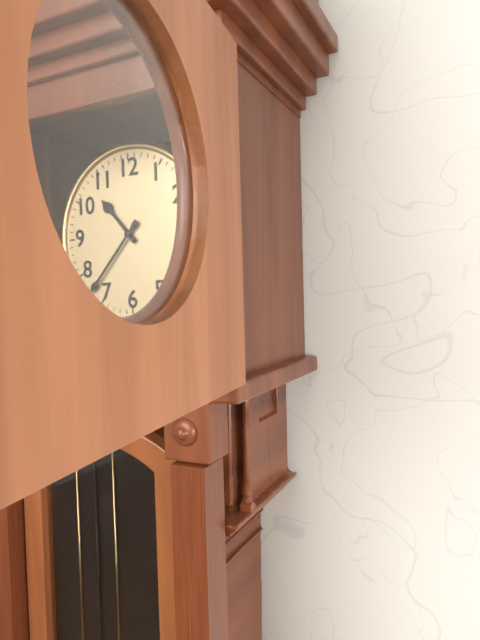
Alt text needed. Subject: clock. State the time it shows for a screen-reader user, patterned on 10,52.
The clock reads 10,37
